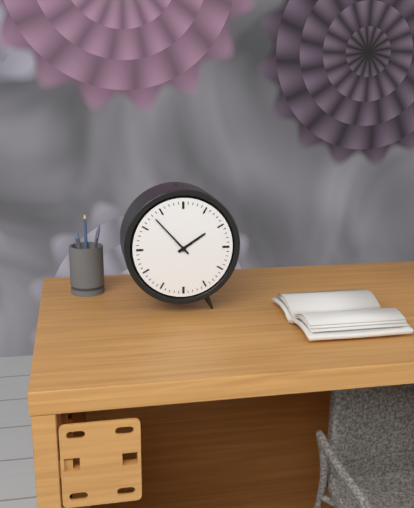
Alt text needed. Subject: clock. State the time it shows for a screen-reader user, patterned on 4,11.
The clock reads 1,53
